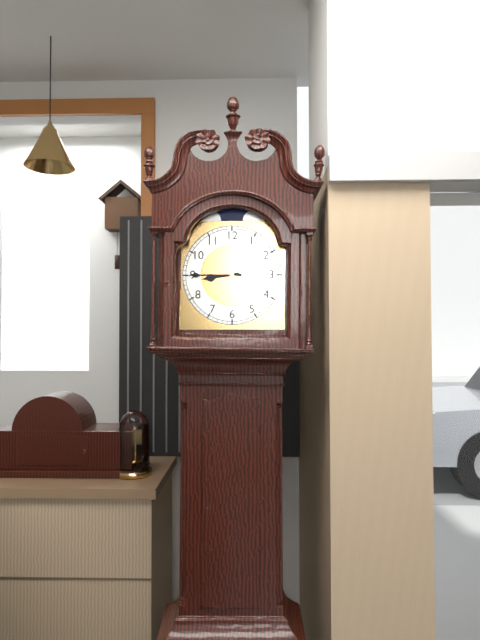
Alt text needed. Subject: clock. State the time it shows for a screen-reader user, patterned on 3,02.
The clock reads 8,45
